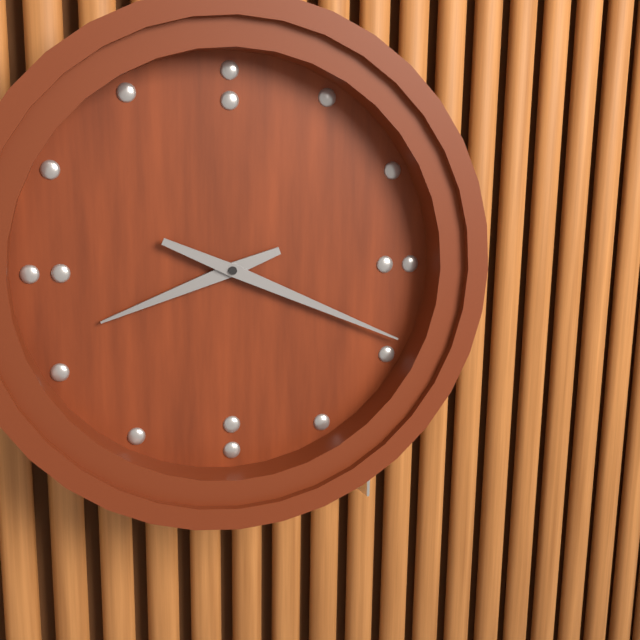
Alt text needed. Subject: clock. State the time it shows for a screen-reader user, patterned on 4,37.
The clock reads 8,19
